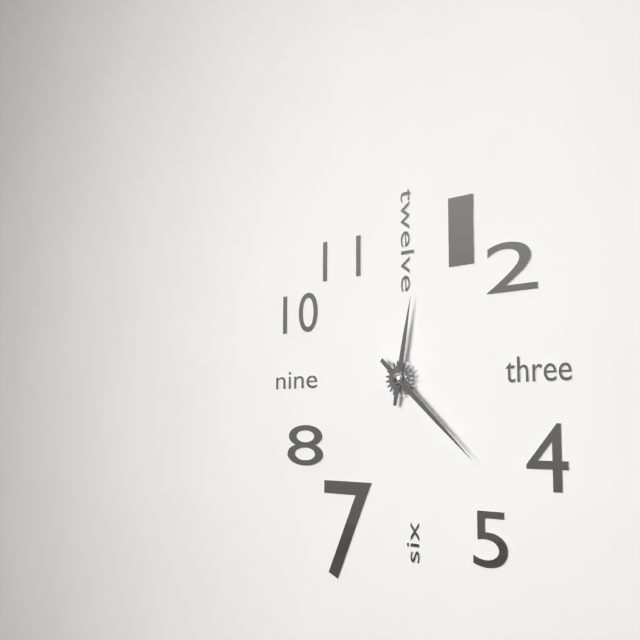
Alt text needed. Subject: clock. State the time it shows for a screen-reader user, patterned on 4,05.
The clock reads 12,22
